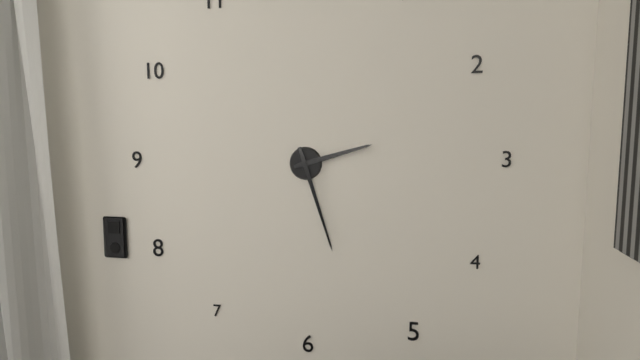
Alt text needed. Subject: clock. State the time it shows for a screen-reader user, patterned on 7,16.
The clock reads 2,27
